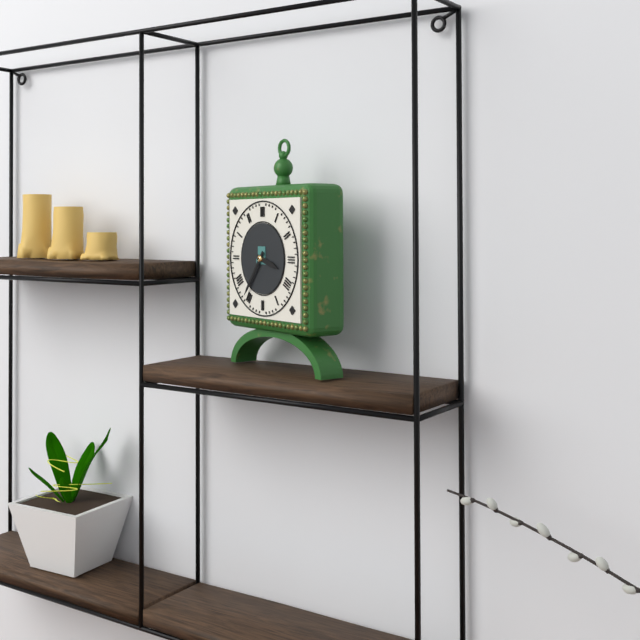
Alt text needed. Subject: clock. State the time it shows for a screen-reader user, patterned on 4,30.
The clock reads 3,36
